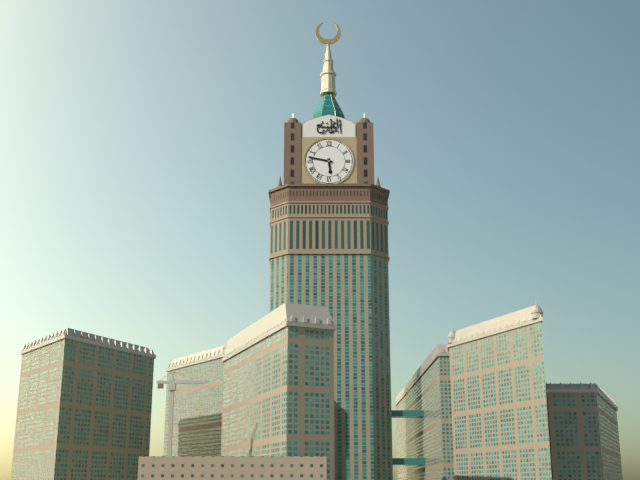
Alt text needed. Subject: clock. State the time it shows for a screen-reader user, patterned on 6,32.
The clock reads 5,47
